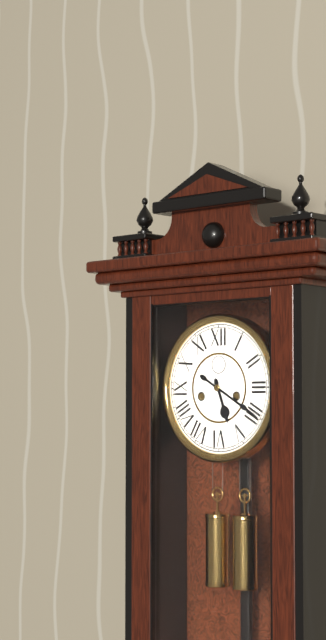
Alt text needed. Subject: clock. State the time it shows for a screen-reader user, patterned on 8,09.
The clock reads 5,20
